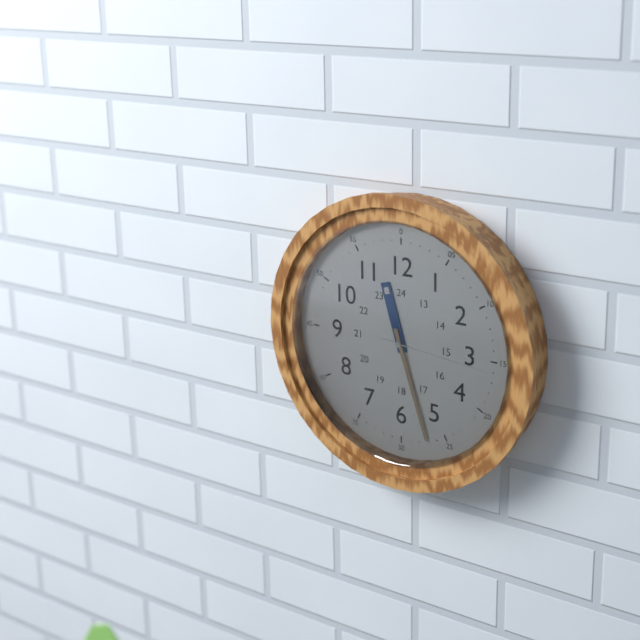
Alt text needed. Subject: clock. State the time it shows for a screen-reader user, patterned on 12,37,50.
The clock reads 11,27,16
